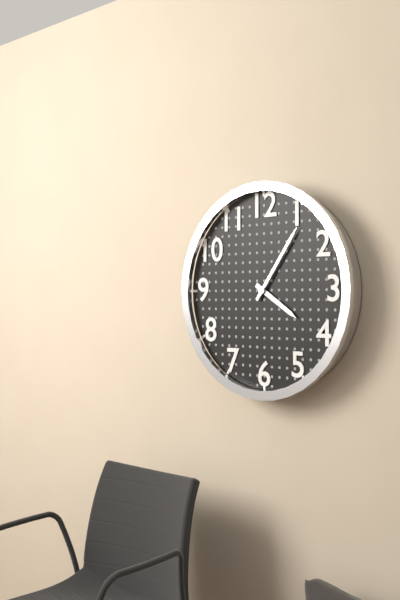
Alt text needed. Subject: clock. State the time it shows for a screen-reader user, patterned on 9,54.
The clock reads 4,06
